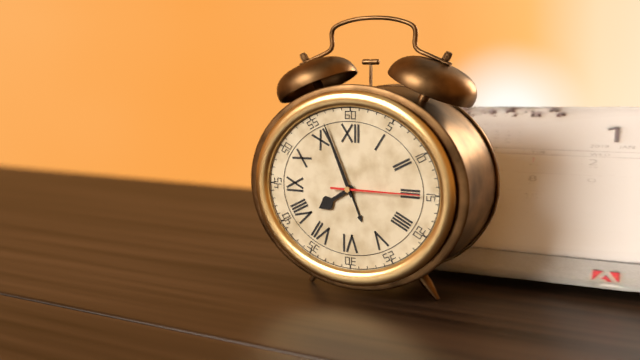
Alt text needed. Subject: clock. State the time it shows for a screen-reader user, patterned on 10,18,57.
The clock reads 7,56,15
